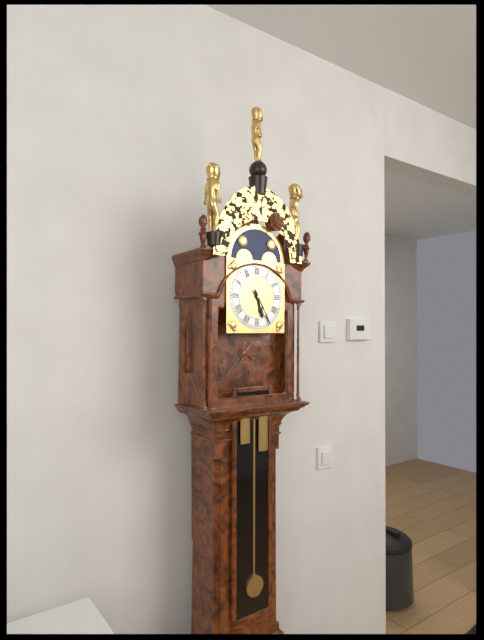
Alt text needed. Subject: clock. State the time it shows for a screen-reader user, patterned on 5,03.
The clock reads 5,25
